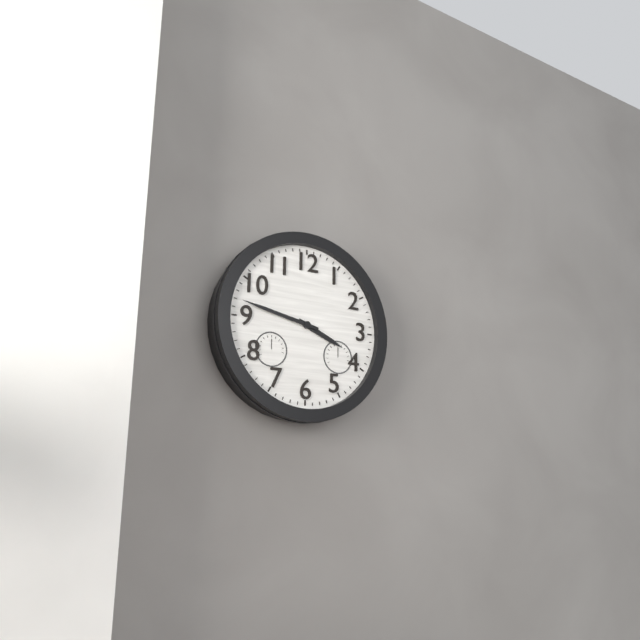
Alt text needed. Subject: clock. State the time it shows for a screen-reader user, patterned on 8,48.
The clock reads 3,47
